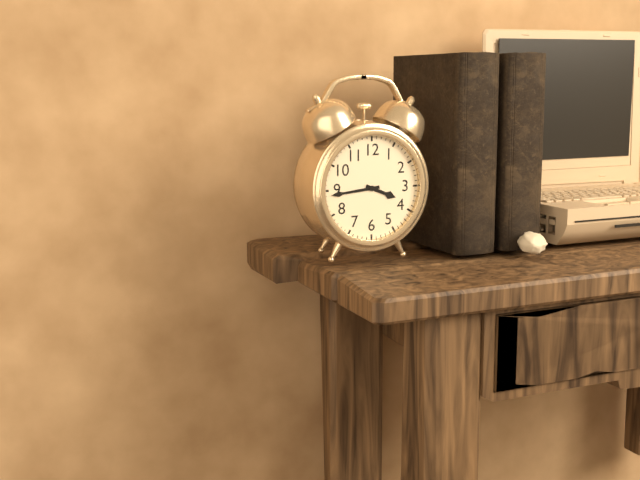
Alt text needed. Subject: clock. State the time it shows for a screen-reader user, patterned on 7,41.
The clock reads 3,44
